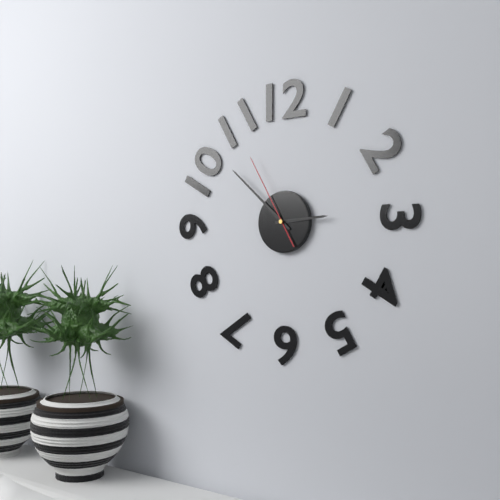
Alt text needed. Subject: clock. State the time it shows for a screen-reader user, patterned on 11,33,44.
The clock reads 2,52,55
